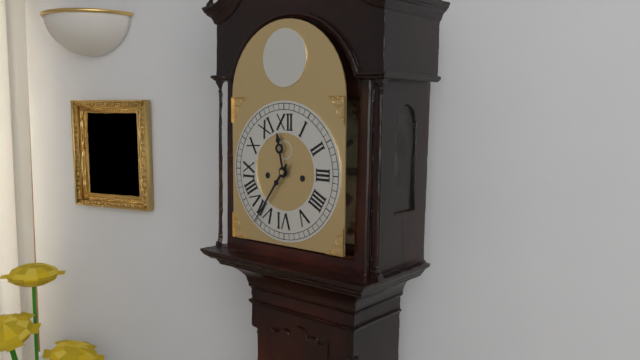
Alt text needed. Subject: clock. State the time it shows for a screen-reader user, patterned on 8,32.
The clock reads 11,36
